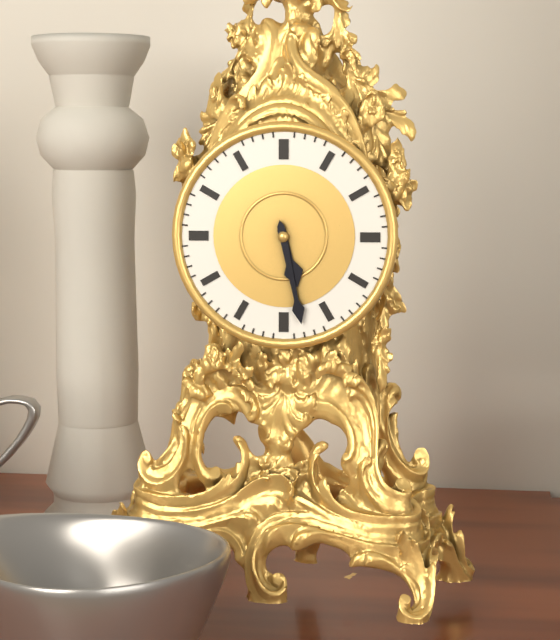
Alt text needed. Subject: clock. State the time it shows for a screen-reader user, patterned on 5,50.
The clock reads 5,28
